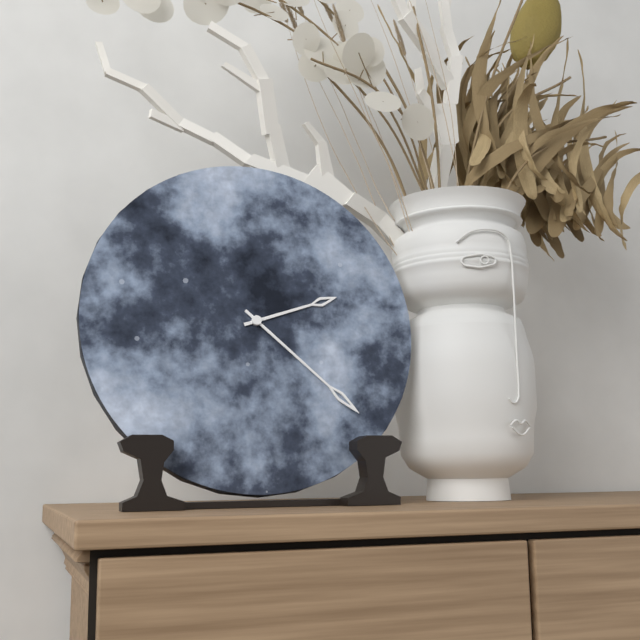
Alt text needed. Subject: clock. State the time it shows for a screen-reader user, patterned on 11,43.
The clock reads 2,22
